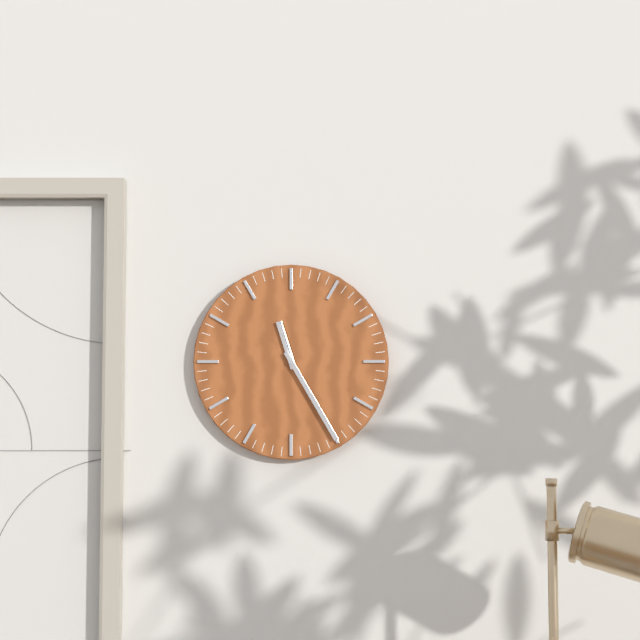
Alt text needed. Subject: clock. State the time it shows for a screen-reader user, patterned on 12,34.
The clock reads 11,25
